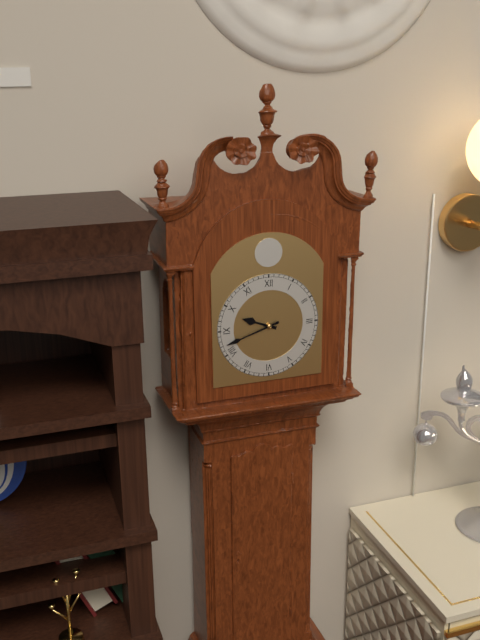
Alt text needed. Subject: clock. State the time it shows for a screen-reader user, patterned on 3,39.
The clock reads 9,42
